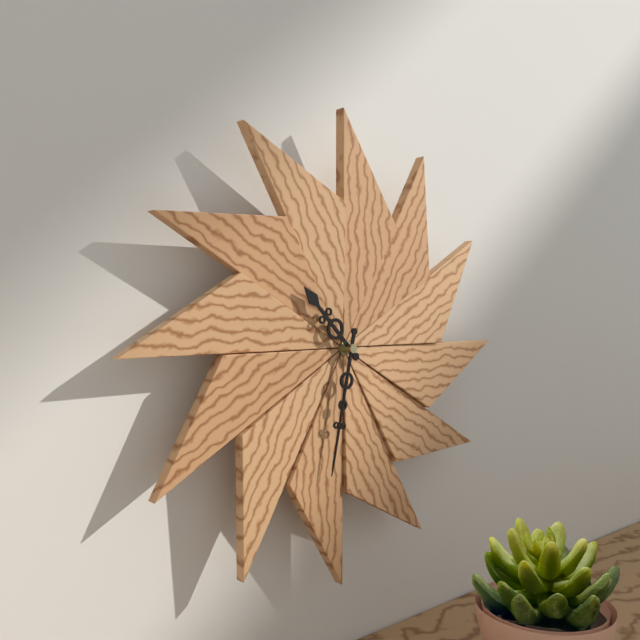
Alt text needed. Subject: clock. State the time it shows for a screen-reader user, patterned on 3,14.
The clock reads 10,32
